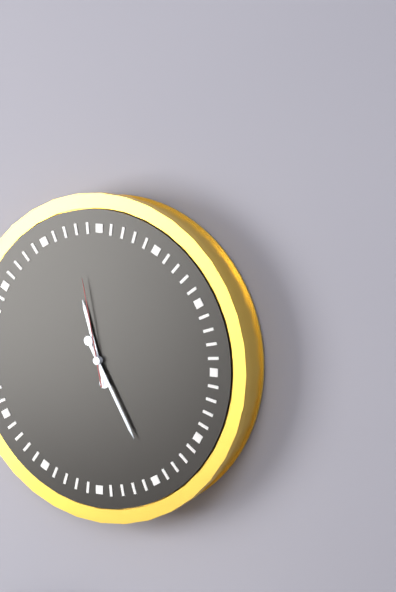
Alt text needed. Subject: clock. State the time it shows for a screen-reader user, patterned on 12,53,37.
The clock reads 11,25,58
